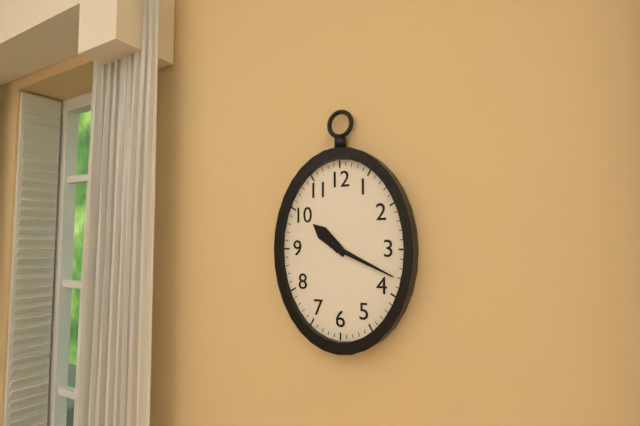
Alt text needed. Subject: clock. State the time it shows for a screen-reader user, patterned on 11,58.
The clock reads 10,19
